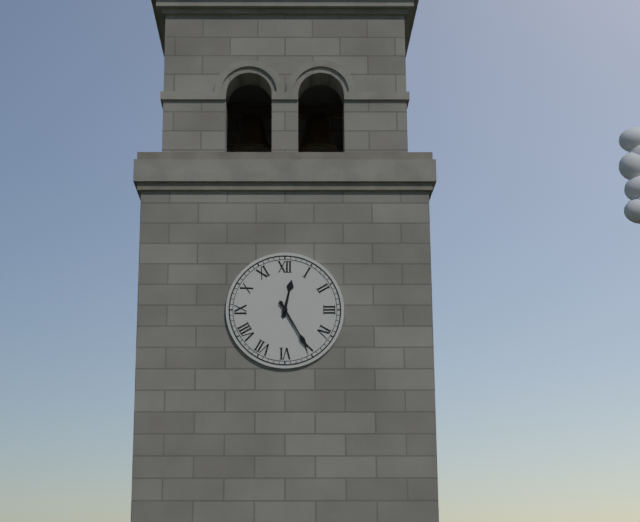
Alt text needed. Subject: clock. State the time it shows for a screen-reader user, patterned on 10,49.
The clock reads 12,25
